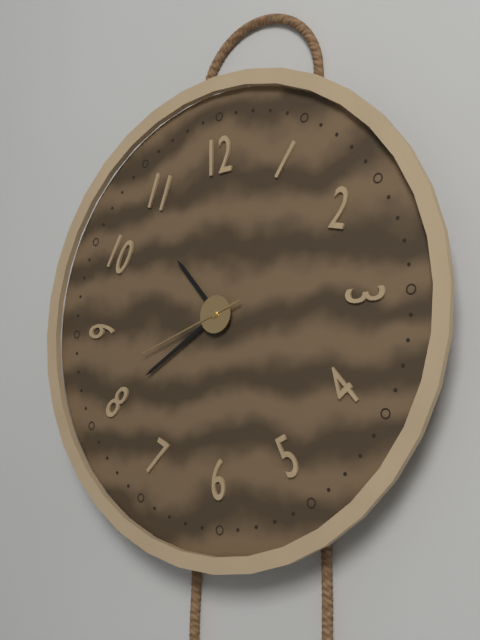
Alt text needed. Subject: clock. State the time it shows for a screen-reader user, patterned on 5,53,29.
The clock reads 10,40,42
